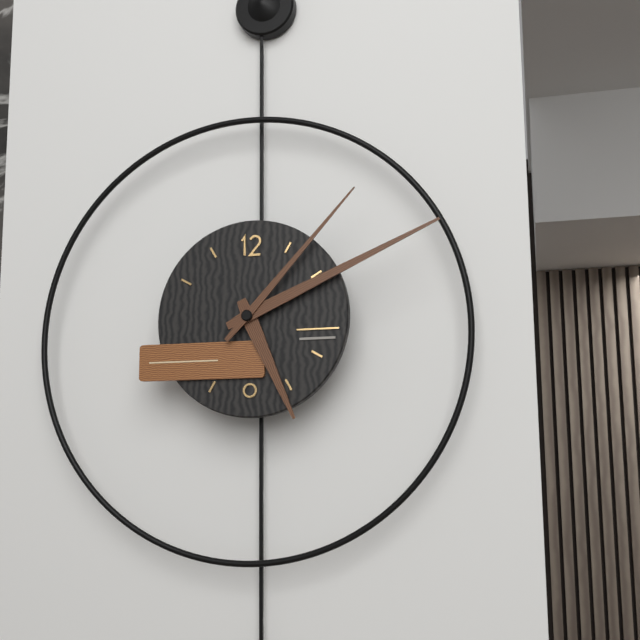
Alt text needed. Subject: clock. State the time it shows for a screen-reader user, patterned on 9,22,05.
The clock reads 5,11,07
